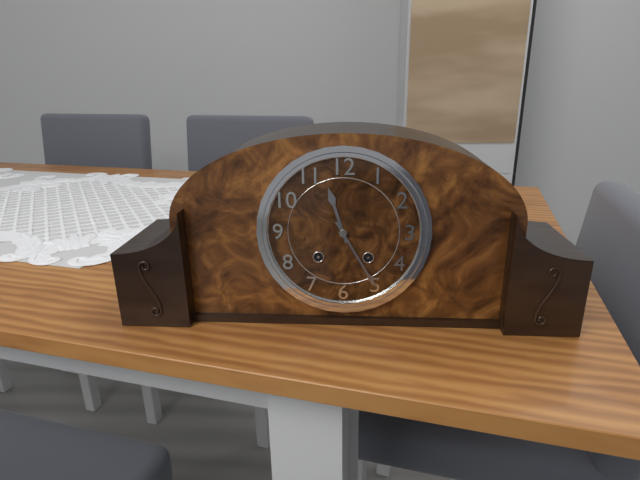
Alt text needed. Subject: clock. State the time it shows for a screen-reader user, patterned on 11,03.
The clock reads 11,25
